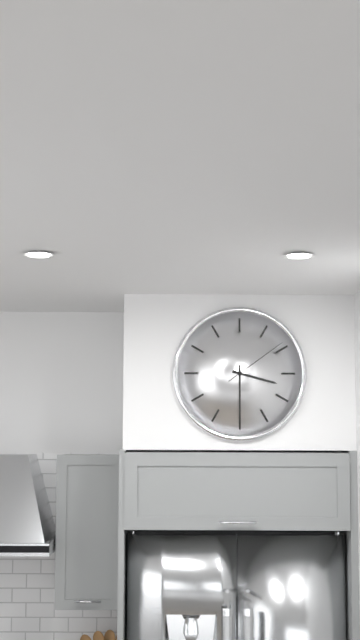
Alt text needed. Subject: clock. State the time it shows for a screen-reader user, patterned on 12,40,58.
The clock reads 3,30,09
